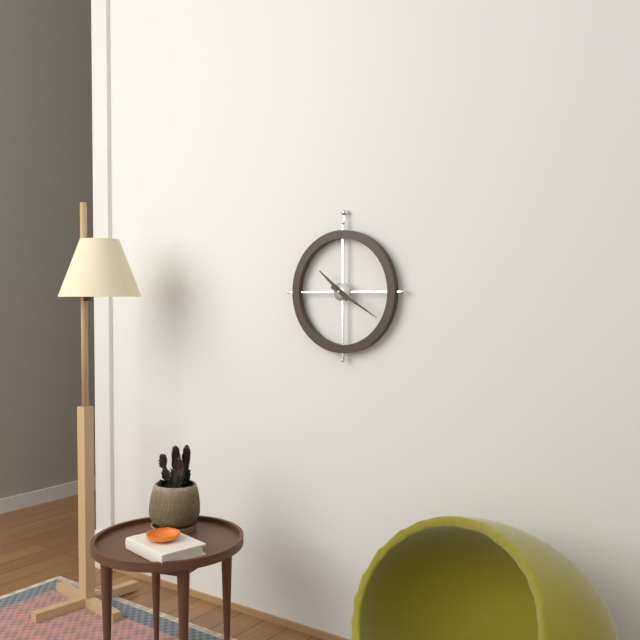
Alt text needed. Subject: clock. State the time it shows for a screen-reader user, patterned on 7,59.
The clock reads 10,20
